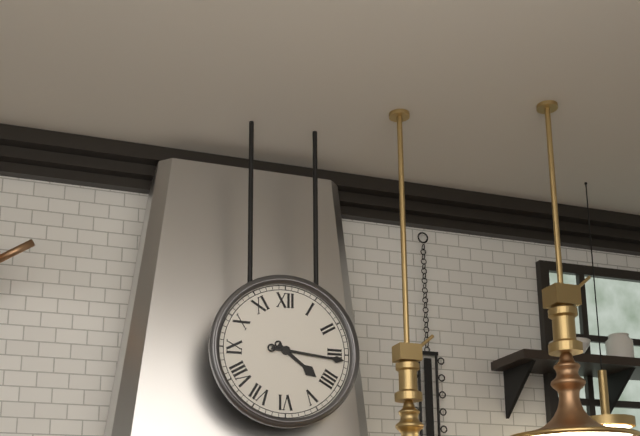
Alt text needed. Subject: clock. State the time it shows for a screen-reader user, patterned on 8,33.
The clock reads 4,16
